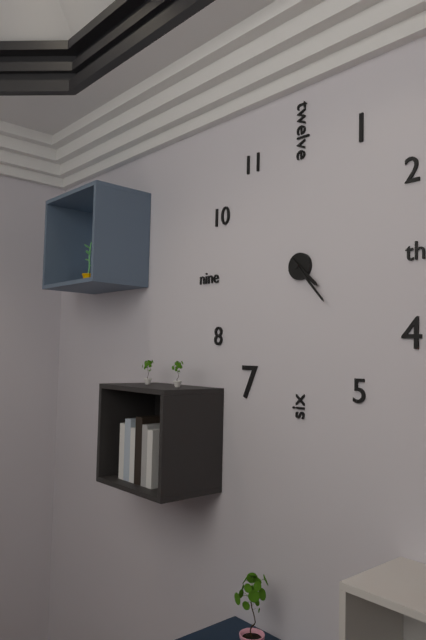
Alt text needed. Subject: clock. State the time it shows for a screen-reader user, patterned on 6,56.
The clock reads 4,23
